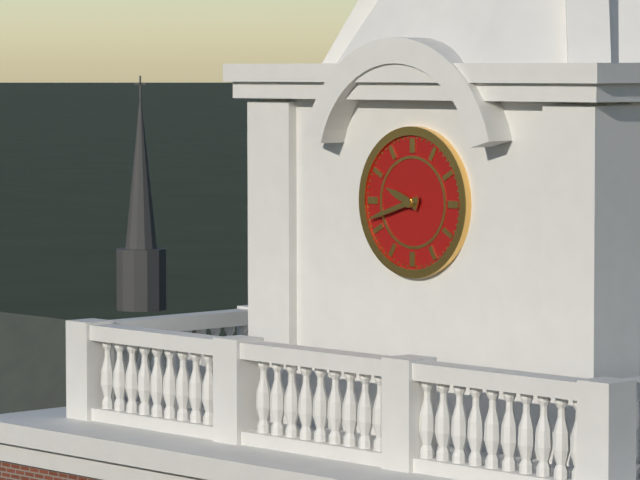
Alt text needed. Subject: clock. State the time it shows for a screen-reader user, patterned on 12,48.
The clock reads 9,42
